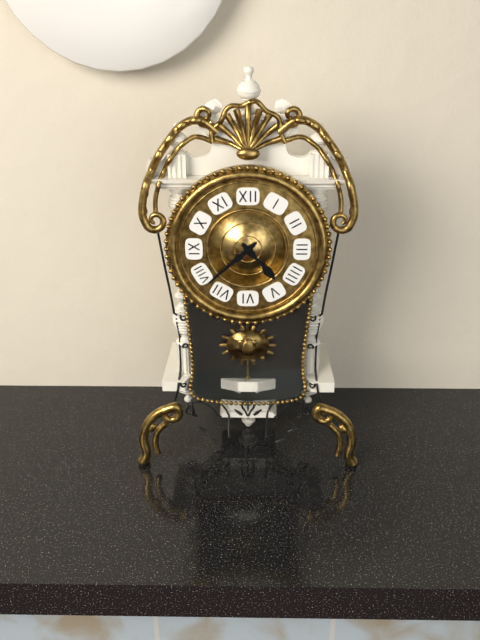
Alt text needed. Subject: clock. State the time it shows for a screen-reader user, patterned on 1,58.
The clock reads 4,38
